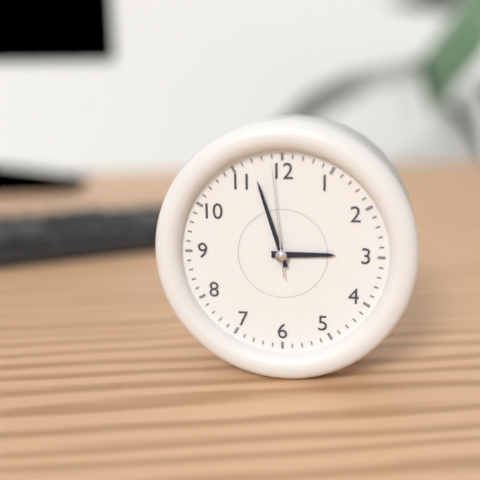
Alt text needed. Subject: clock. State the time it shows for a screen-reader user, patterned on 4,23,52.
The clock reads 2,57,59
